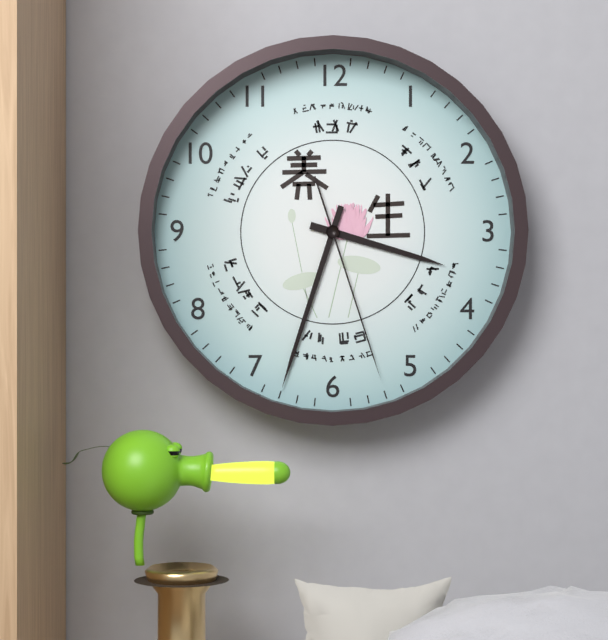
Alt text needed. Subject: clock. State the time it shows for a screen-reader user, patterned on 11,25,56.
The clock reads 3,33,27
